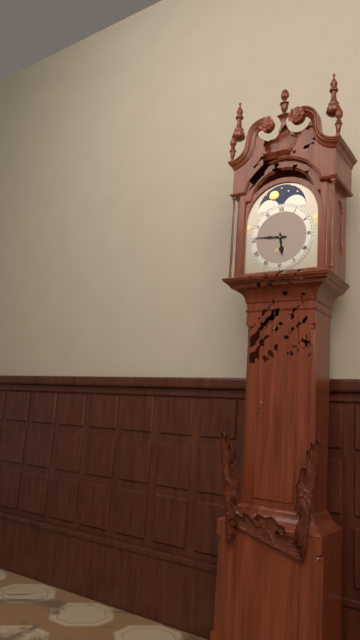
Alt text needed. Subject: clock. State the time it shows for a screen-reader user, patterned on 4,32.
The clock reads 5,46
